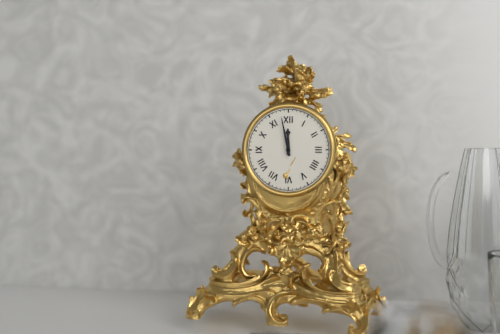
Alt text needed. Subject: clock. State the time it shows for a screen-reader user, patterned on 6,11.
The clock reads 11,58
